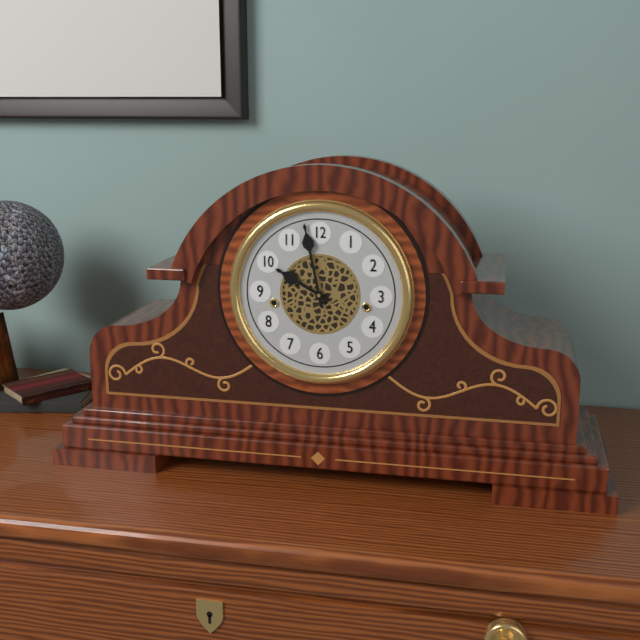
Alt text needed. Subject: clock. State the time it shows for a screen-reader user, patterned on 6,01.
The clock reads 9,58
